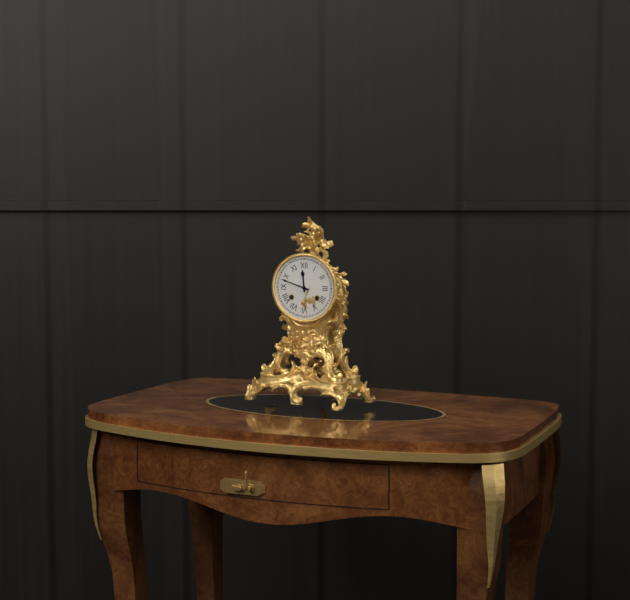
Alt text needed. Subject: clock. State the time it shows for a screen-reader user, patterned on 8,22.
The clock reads 11,48
